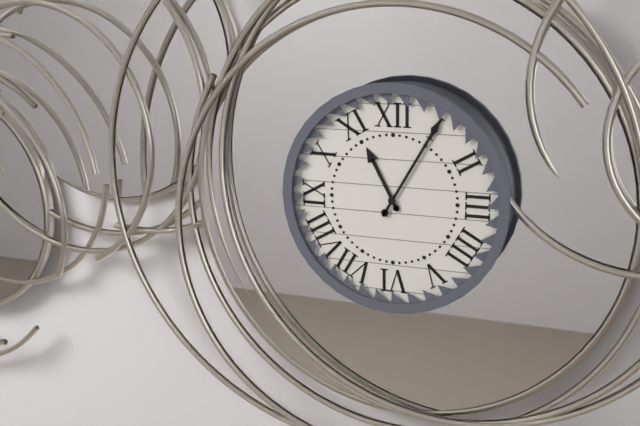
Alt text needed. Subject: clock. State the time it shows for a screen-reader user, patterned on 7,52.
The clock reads 11,05
